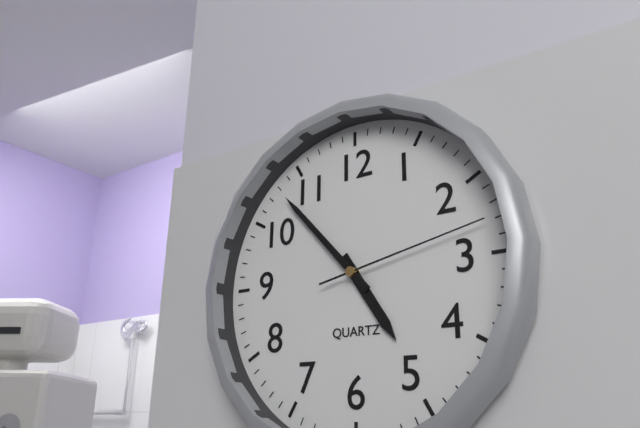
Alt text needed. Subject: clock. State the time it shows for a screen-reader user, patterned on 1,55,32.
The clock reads 4,53,13
